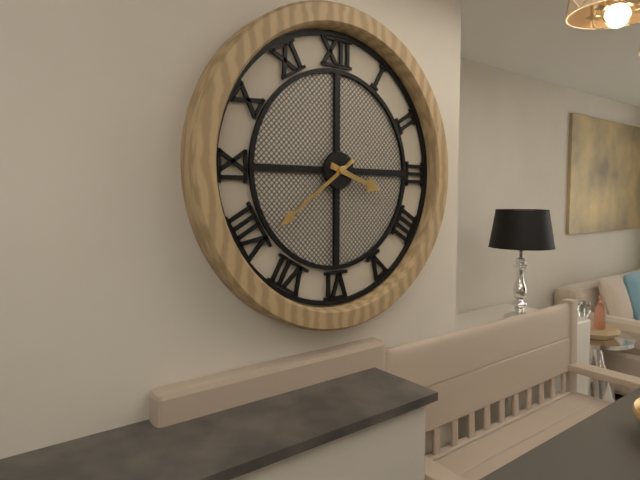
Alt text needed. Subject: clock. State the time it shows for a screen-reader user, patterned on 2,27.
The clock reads 3,39
